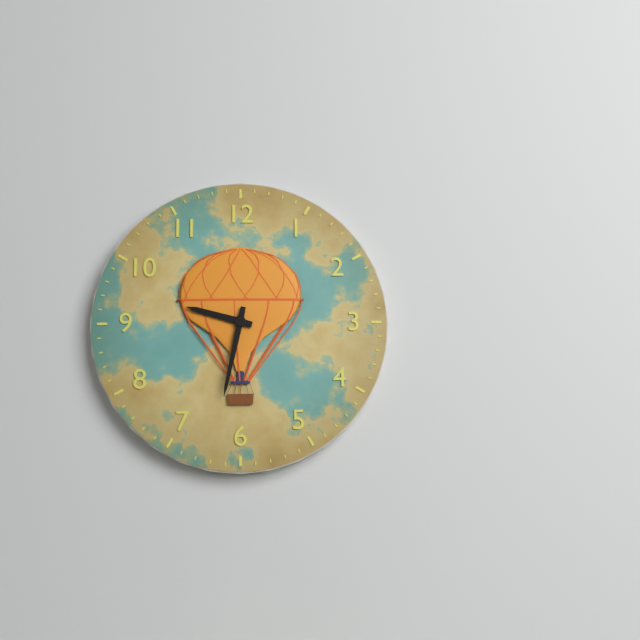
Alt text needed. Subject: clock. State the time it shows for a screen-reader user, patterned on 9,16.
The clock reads 9,32
